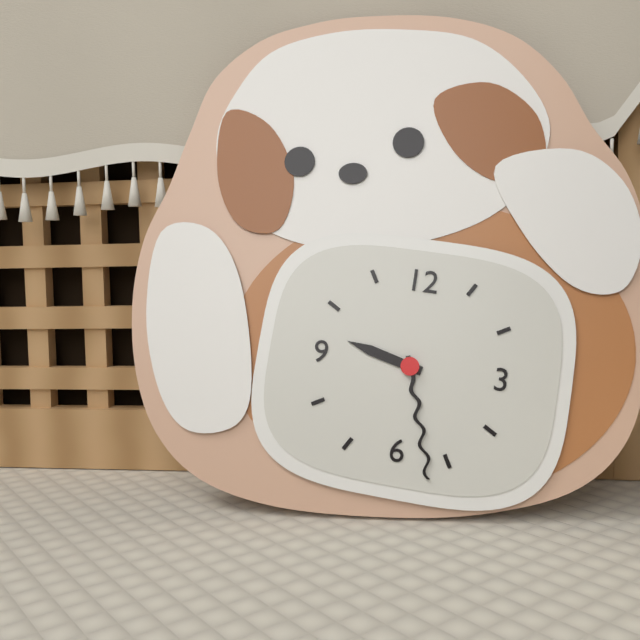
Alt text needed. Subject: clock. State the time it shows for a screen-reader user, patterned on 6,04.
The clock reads 9,27
